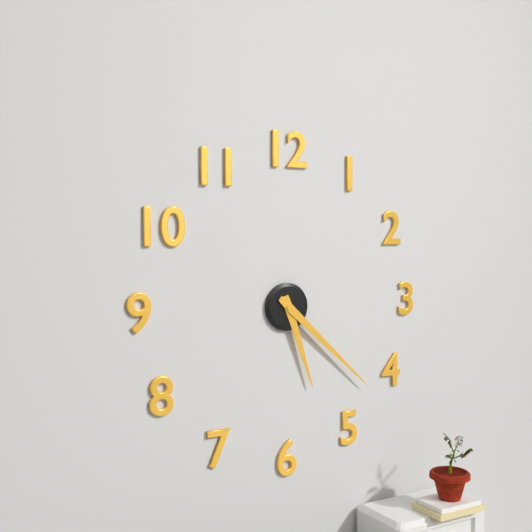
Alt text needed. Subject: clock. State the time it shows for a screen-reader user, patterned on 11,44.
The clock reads 5,22
